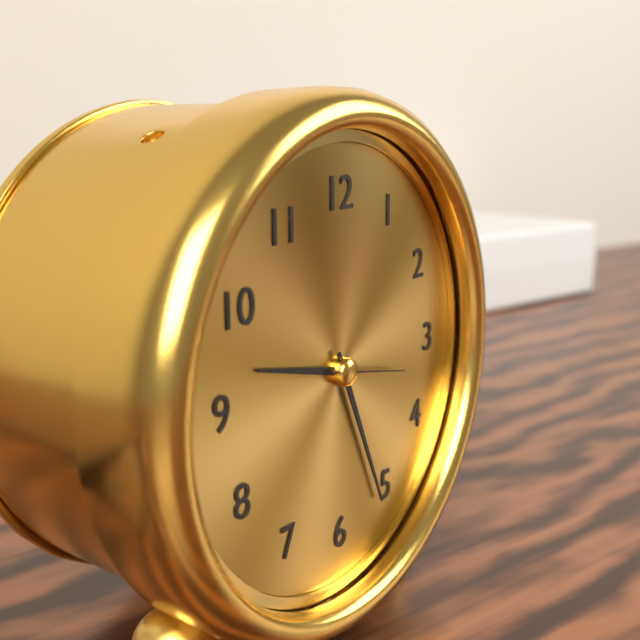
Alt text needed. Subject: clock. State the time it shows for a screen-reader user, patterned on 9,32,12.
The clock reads 9,26,17
